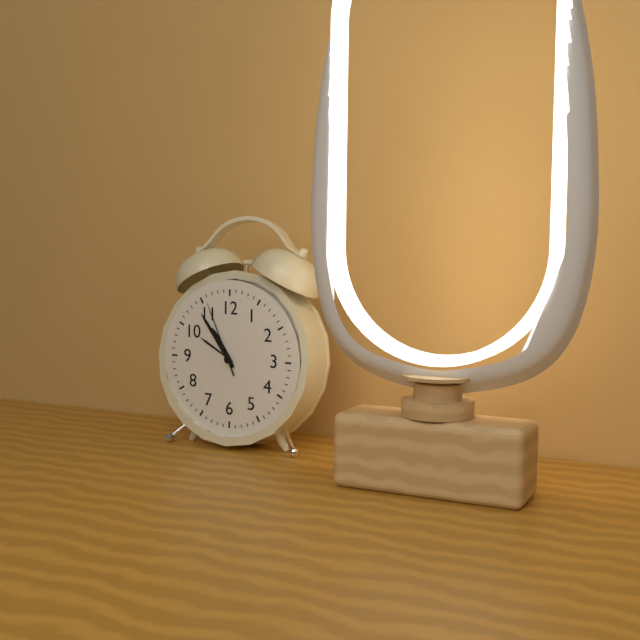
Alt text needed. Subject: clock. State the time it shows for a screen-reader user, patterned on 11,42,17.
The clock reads 10,54,56
